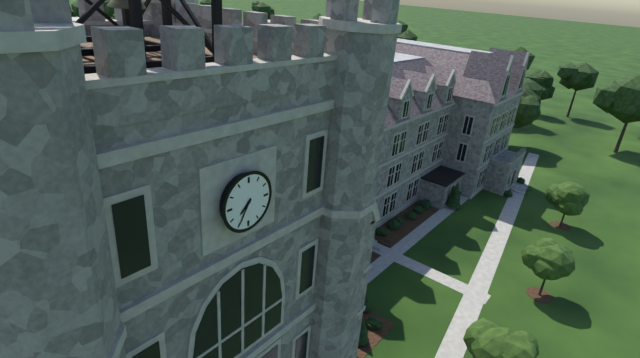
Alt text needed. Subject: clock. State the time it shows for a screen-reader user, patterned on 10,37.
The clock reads 7,35
